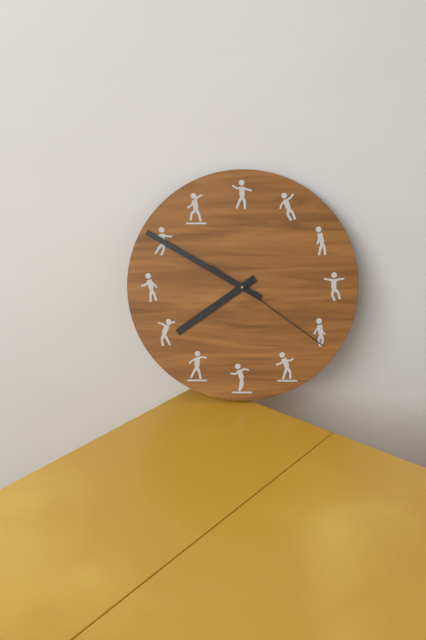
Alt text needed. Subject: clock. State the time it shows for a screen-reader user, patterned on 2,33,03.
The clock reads 7,50,21
